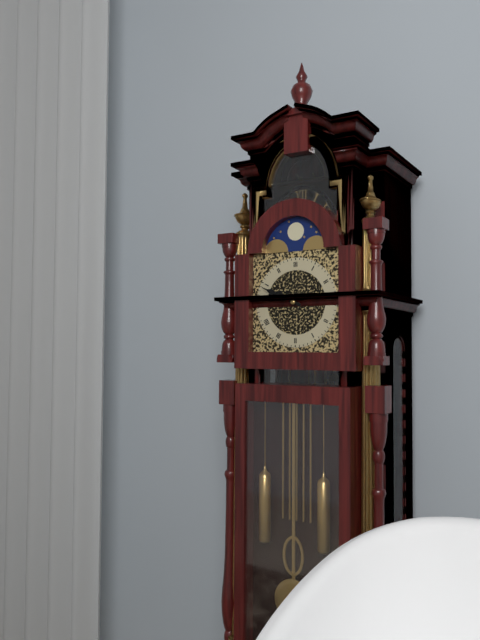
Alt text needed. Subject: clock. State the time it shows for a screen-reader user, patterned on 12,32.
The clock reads 9,49
